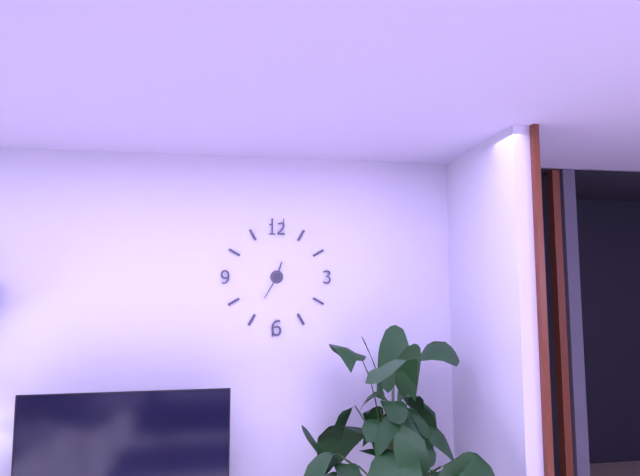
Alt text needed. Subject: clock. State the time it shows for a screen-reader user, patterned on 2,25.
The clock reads 12,35
